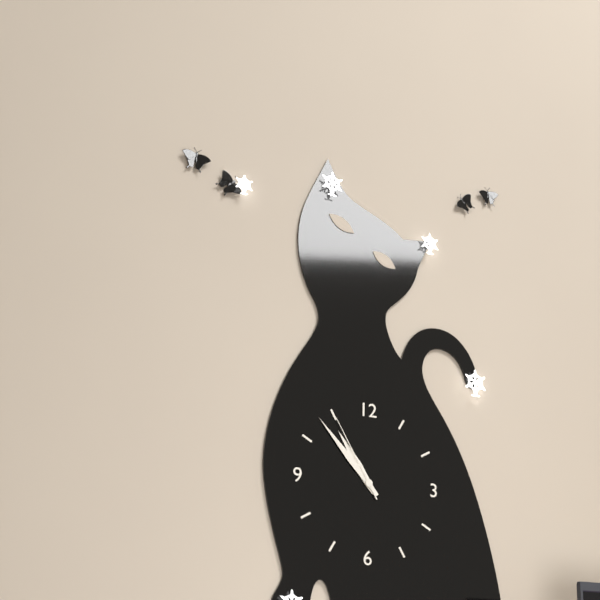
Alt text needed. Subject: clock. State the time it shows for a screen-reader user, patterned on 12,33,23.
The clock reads 10,53,55
